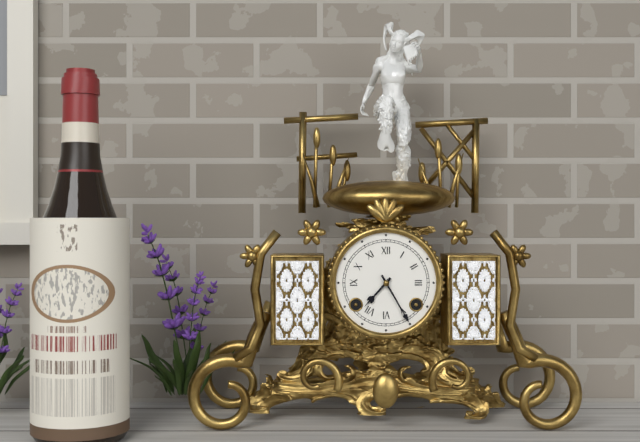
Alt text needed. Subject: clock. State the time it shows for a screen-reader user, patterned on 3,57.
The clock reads 7,25
